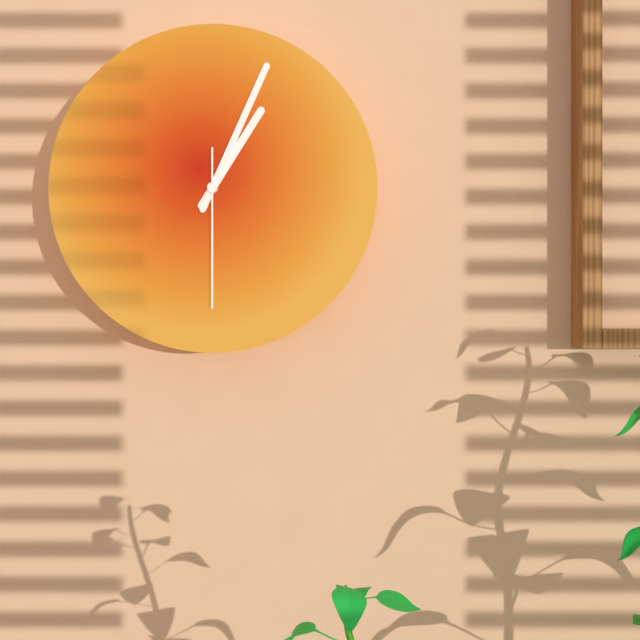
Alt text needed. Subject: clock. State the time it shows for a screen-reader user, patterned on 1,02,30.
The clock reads 1,04,30
